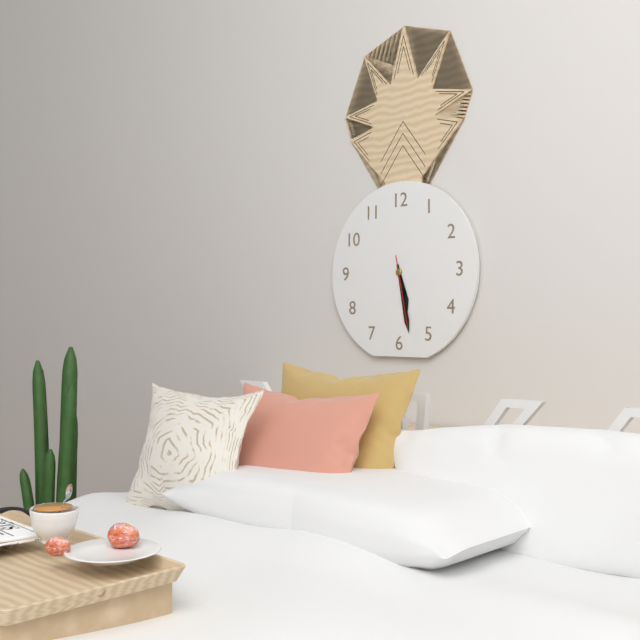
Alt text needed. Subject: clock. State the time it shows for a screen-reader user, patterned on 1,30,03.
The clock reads 5,28,28
